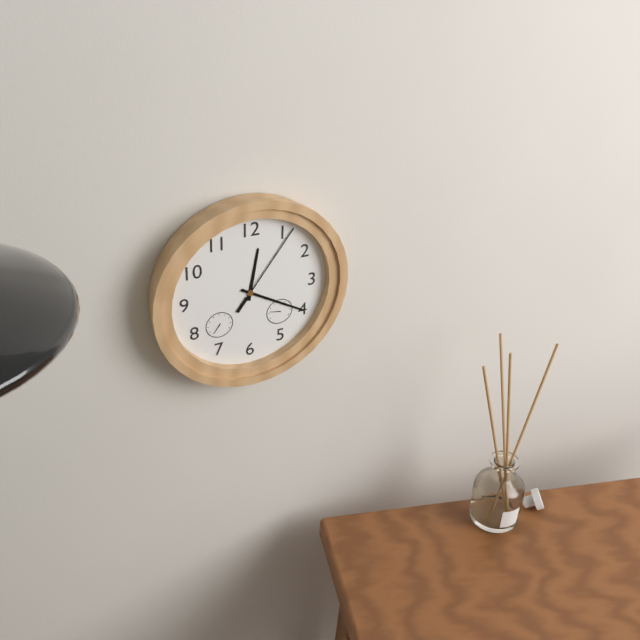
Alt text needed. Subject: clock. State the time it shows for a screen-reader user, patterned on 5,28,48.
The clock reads 12,20,06
